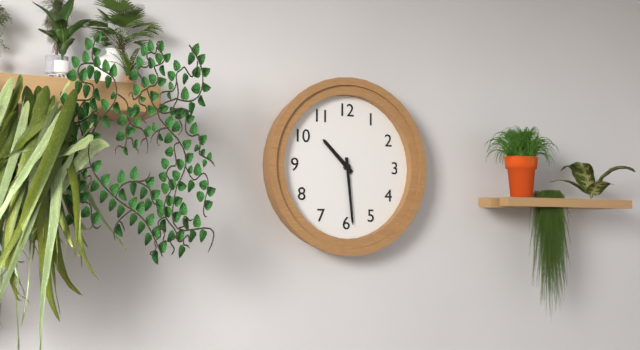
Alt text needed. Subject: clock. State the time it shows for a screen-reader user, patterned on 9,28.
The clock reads 10,29
